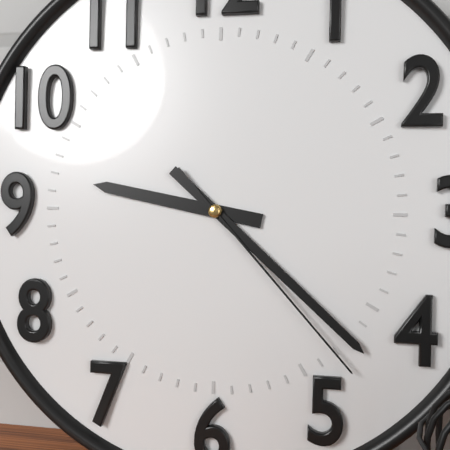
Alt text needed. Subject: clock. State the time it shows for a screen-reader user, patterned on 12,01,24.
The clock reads 9,22,23
